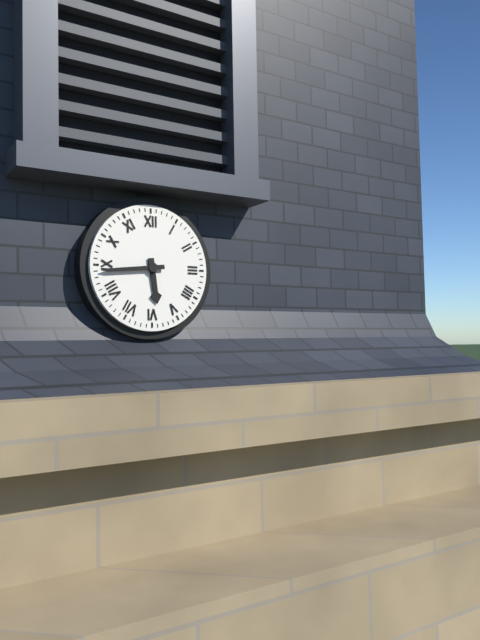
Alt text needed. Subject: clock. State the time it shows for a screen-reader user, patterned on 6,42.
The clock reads 5,44
